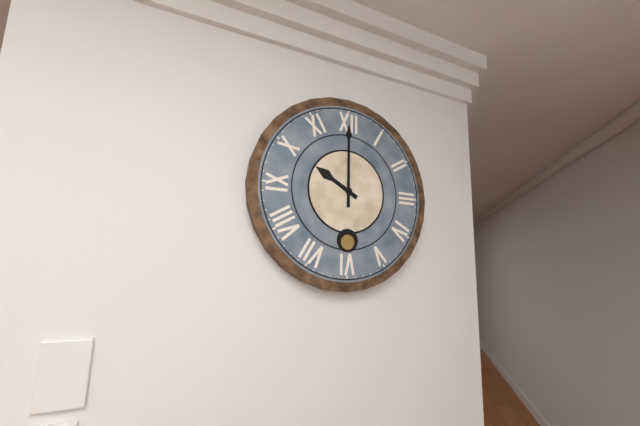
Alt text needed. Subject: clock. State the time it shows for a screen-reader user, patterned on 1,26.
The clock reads 10,00
